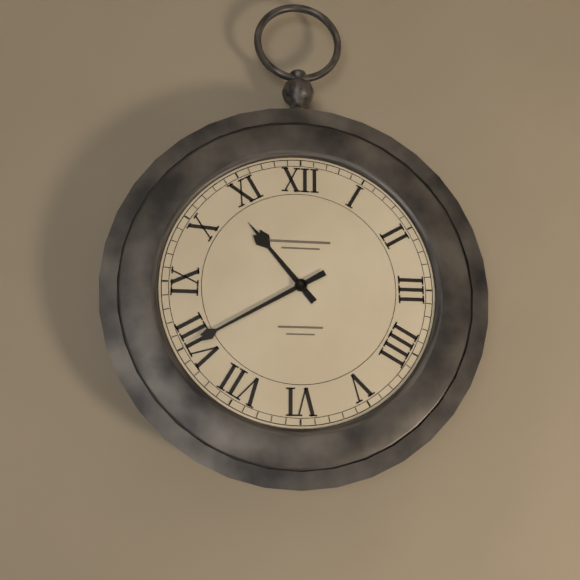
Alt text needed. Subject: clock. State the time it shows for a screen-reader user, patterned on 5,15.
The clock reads 10,40
